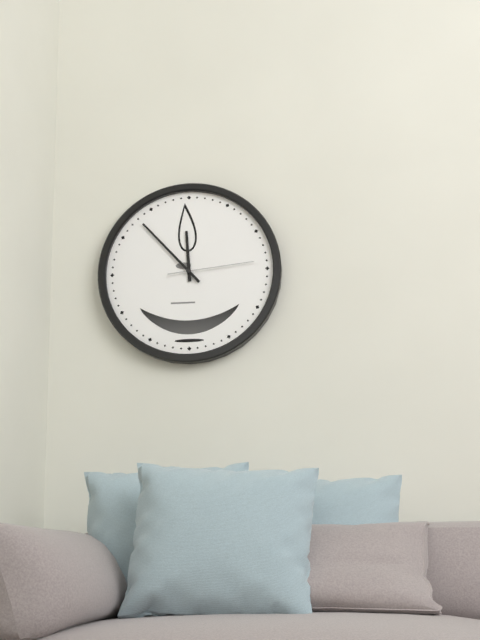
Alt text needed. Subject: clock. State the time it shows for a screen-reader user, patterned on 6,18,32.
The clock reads 11,53,14
